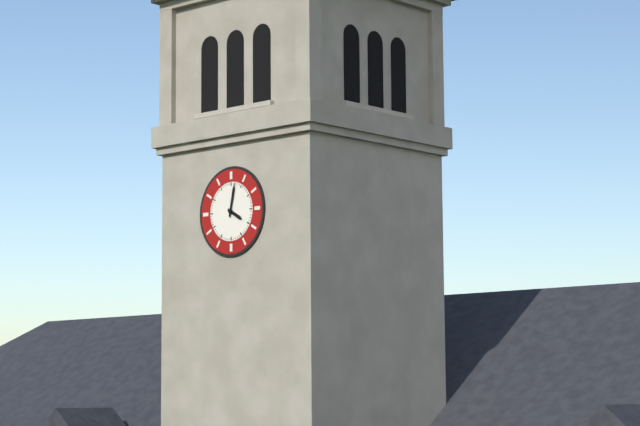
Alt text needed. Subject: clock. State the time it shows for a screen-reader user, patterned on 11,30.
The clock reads 4,02
